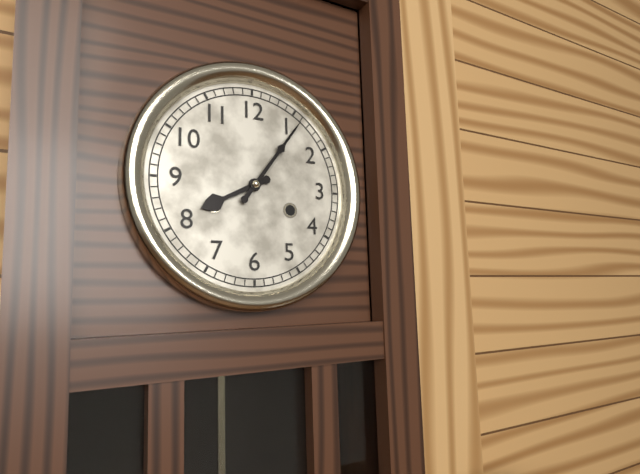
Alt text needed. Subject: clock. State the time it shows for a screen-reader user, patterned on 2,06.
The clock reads 8,06
